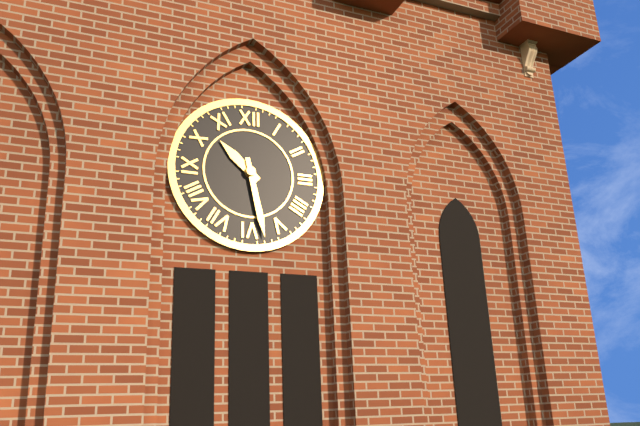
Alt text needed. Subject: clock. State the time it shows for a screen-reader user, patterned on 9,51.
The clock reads 10,28
